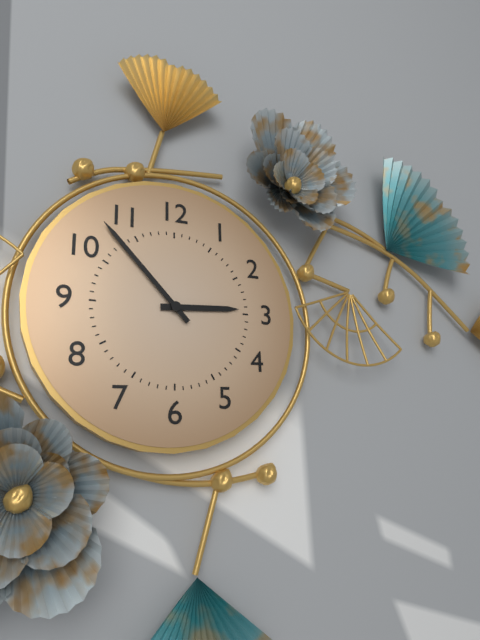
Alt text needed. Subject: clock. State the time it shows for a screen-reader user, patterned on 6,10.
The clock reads 2,53
